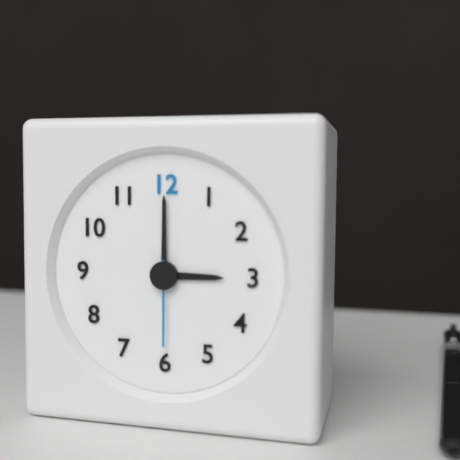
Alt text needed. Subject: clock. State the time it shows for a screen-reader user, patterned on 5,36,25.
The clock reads 3,00,30
